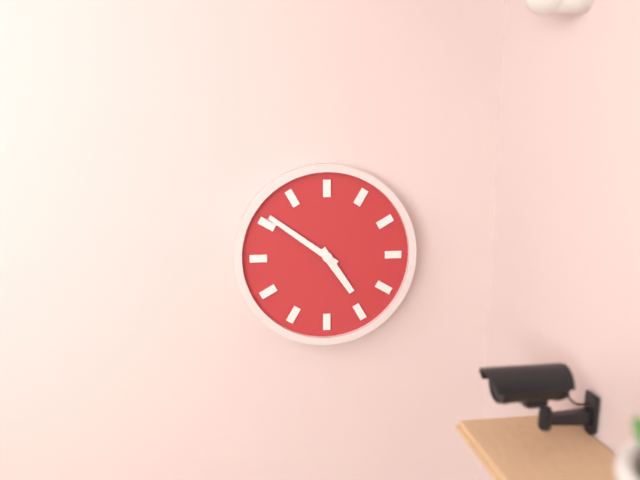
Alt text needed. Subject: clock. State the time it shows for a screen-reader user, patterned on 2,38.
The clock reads 4,51
